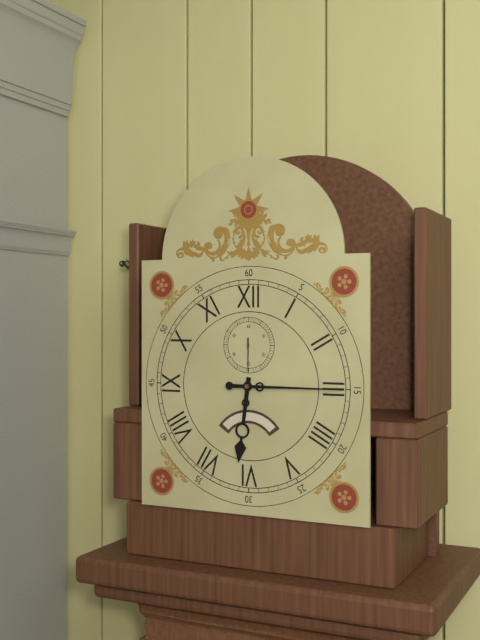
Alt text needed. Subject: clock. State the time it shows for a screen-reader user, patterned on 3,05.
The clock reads 6,15
